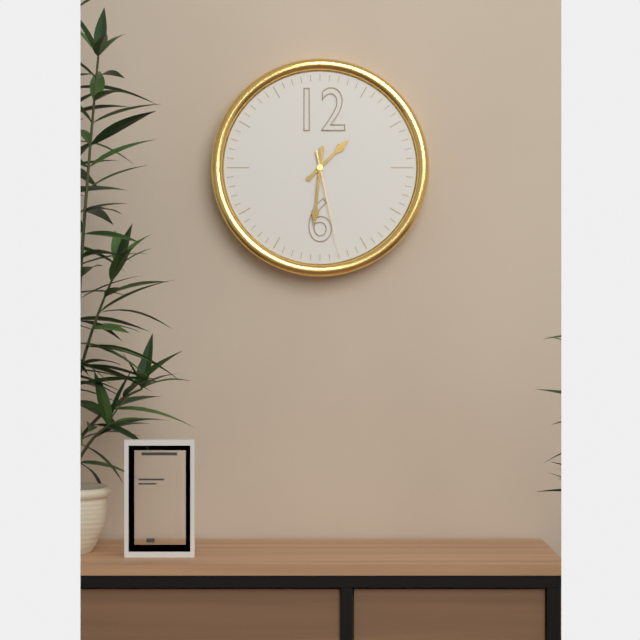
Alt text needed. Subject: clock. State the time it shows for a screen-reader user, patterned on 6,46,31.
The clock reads 1,31,28
